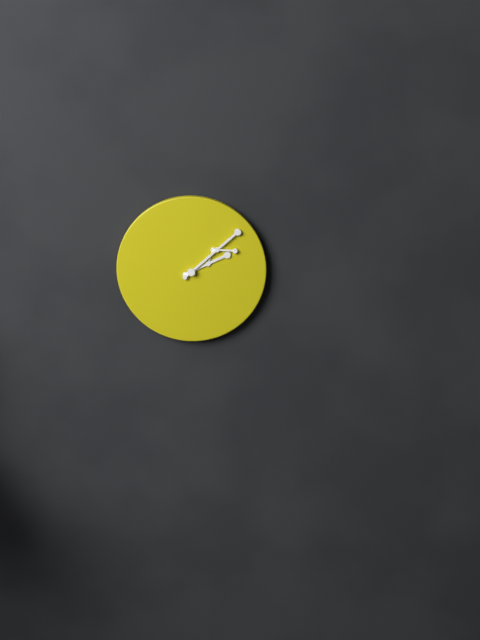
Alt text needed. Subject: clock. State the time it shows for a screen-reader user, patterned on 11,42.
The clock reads 2,08
